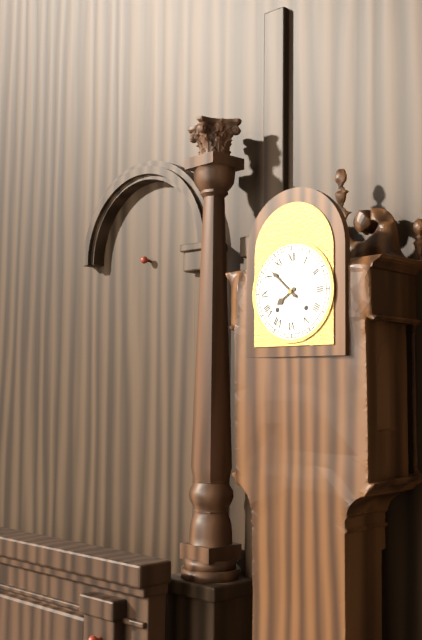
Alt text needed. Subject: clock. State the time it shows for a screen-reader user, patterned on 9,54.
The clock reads 7,52
